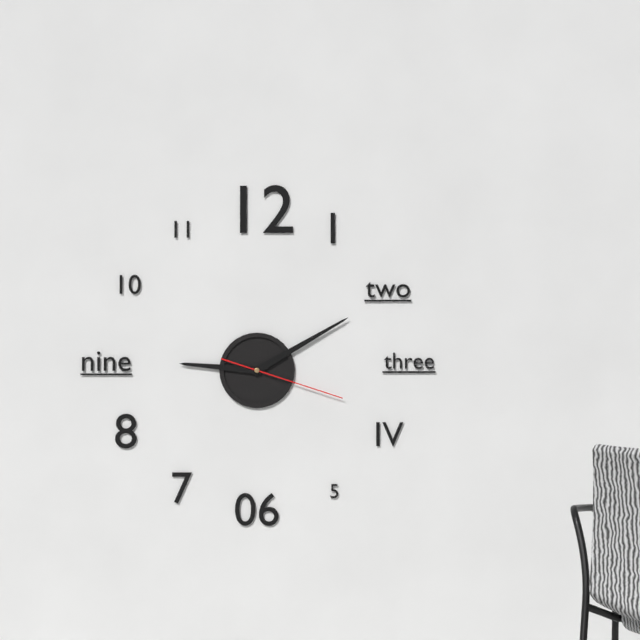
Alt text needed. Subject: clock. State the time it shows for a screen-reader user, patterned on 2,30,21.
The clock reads 9,10,18
